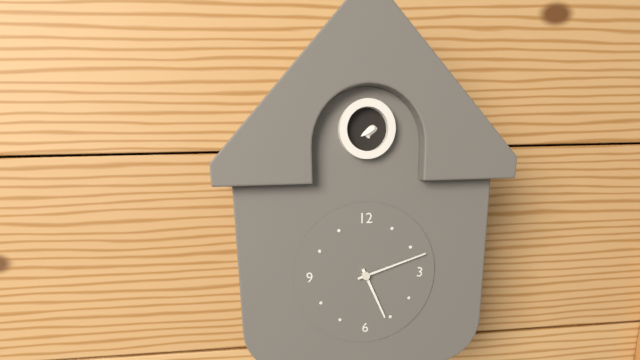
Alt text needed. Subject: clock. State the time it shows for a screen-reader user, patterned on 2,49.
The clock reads 5,12
